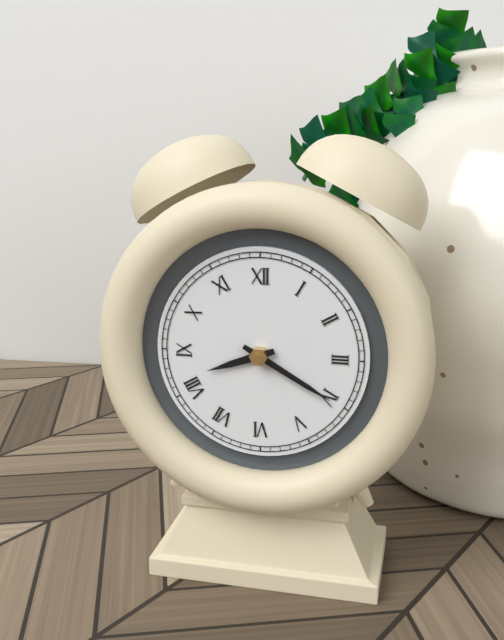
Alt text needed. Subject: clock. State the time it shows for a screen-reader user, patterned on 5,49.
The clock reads 8,20
